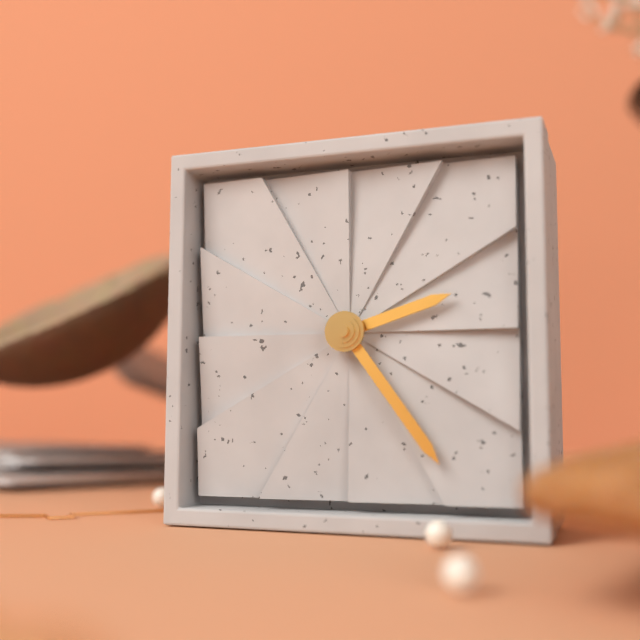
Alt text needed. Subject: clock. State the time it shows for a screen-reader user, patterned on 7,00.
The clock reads 2,24
